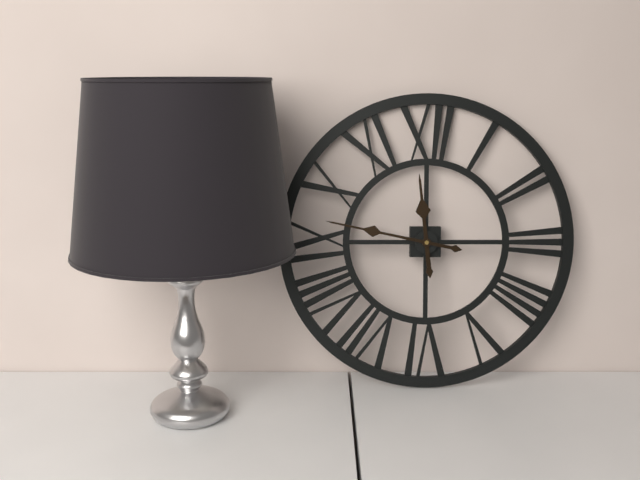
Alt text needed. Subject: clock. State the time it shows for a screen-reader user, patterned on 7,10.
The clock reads 11,47
